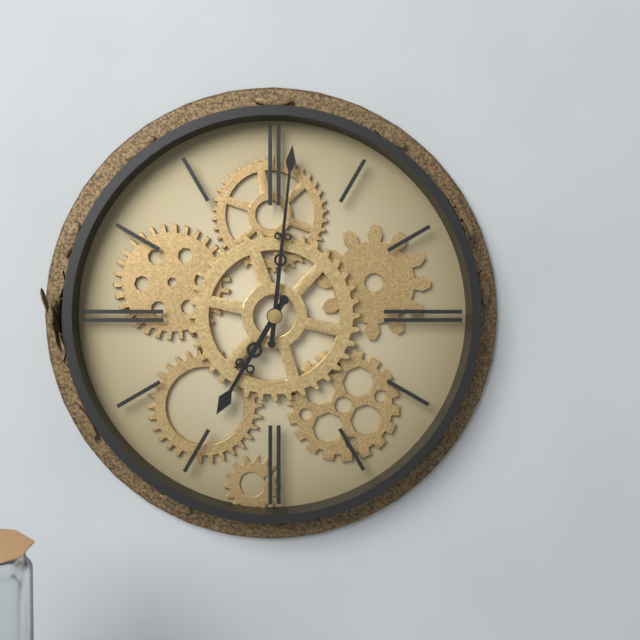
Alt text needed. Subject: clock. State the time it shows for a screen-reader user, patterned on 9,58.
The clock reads 7,01
